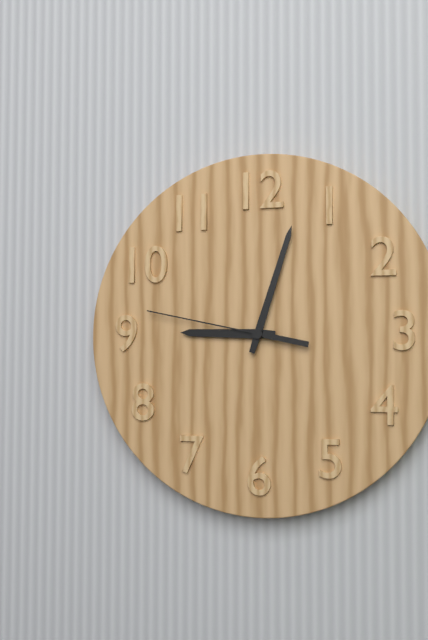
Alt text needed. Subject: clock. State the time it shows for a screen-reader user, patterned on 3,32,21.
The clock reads 9,03,47
